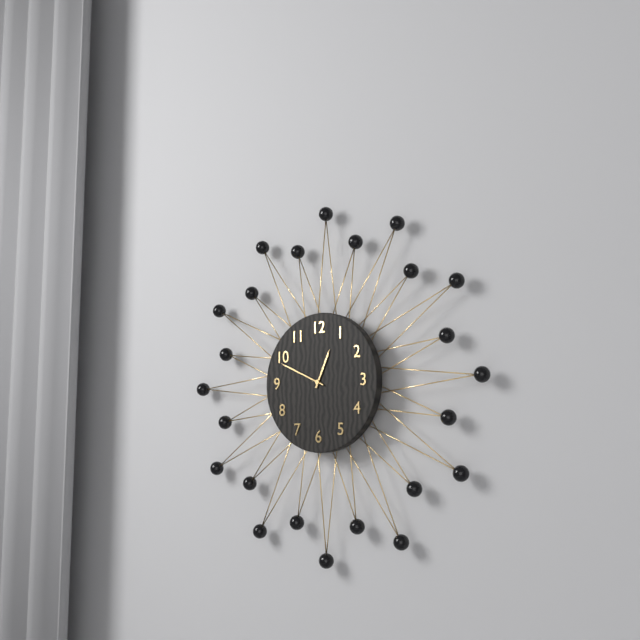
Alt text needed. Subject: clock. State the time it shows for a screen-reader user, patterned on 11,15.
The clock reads 12,49
